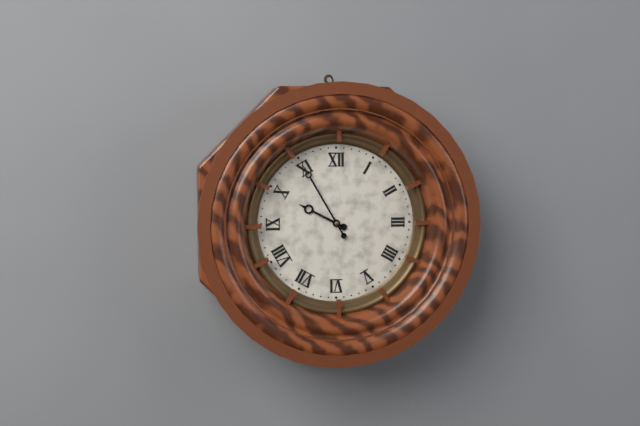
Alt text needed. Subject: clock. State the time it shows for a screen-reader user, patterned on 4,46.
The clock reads 9,55
